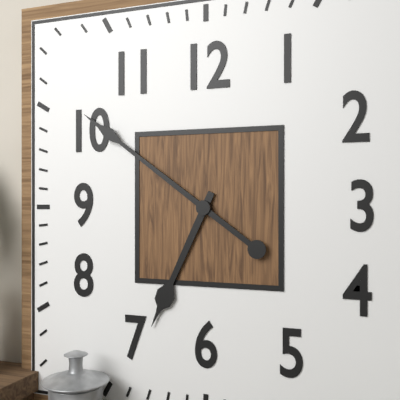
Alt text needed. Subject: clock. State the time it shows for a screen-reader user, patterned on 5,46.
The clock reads 6,51
